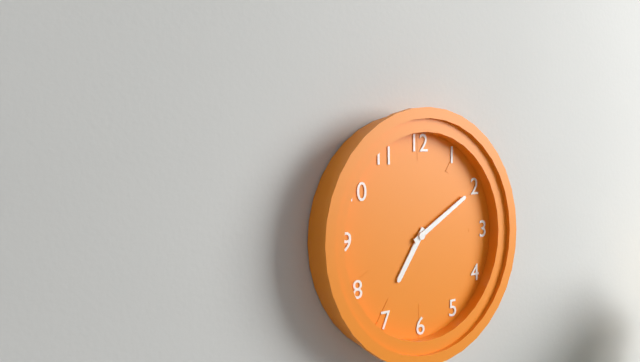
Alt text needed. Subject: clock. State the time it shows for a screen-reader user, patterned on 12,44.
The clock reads 7,10
